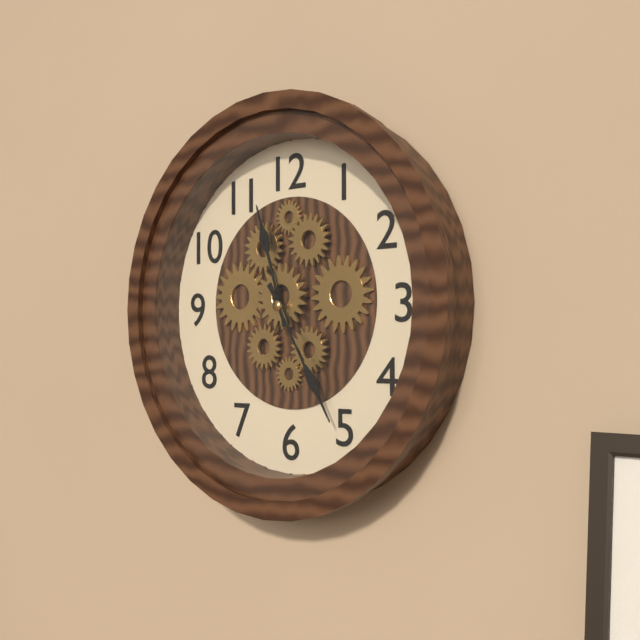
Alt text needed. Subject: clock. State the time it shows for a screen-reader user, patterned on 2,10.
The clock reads 11,25
